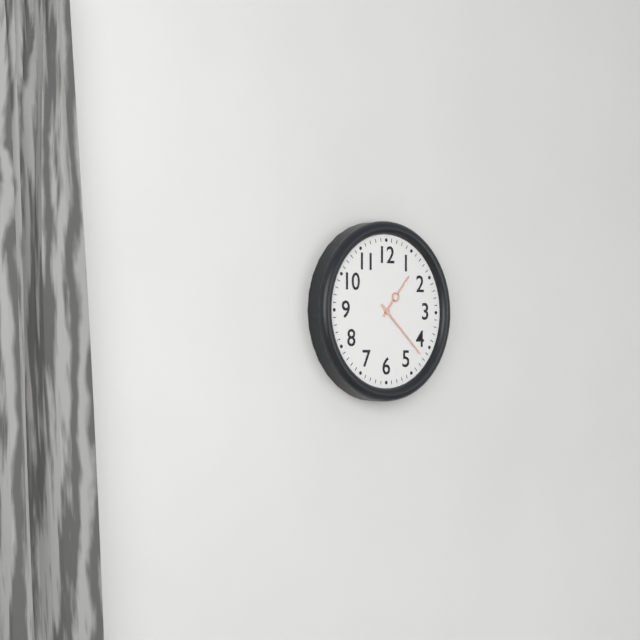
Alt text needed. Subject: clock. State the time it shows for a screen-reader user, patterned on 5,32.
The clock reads 1,22
